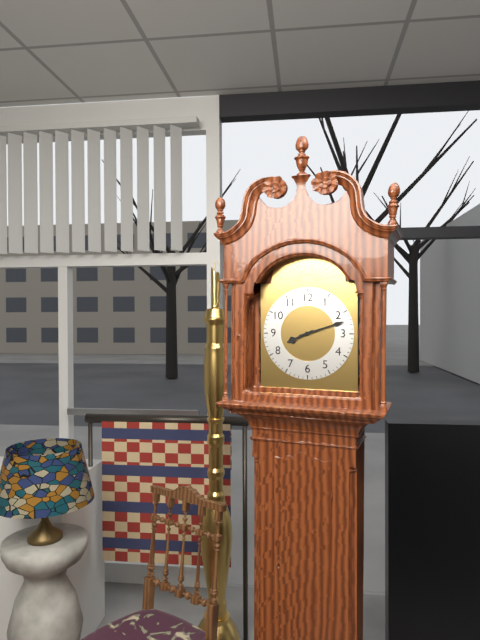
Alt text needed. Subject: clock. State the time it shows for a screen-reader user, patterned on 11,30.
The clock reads 8,12
